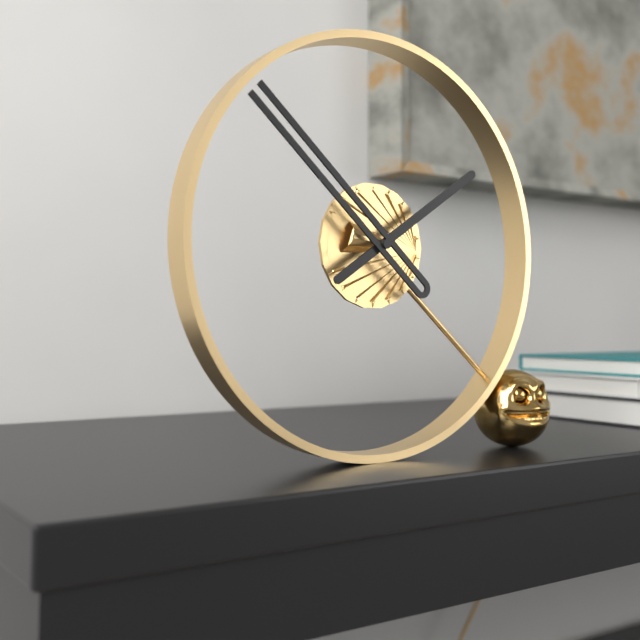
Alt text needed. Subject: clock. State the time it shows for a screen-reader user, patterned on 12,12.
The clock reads 1,52
